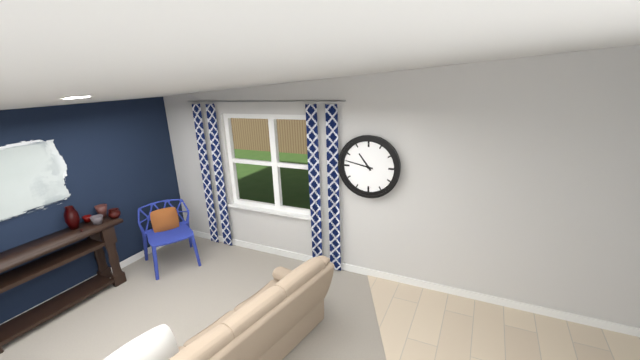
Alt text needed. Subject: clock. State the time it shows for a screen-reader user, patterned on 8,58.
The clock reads 10,47
